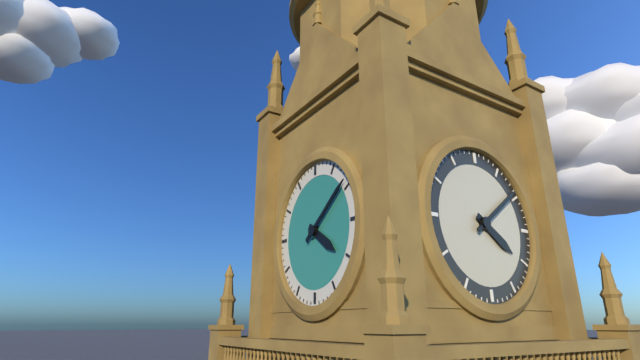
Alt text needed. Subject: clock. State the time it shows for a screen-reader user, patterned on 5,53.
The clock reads 4,09
